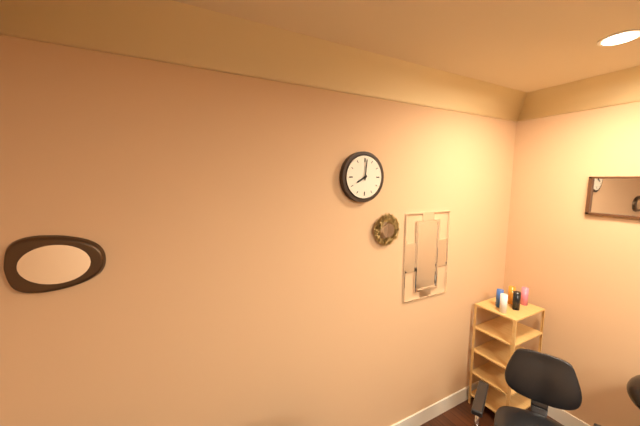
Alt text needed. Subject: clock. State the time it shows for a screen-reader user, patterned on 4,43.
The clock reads 8,01
